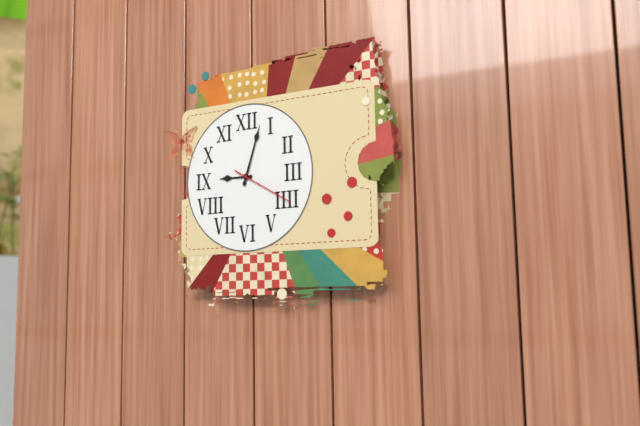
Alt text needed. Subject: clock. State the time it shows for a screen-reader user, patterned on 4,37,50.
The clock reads 9,03,20
